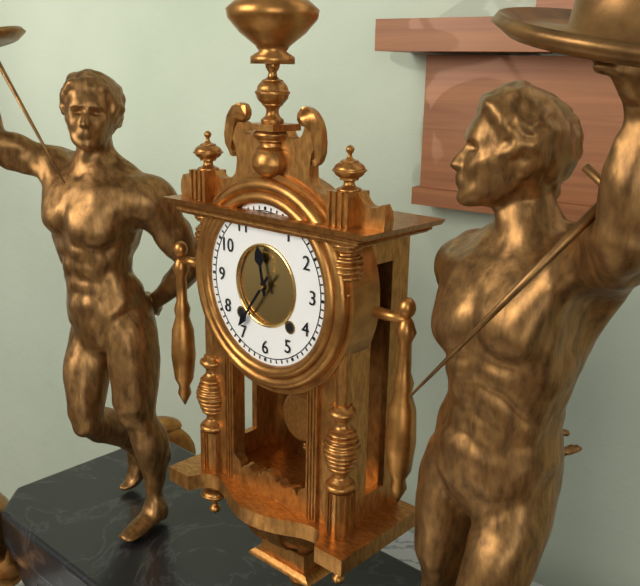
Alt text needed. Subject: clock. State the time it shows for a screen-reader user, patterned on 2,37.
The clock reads 11,36
